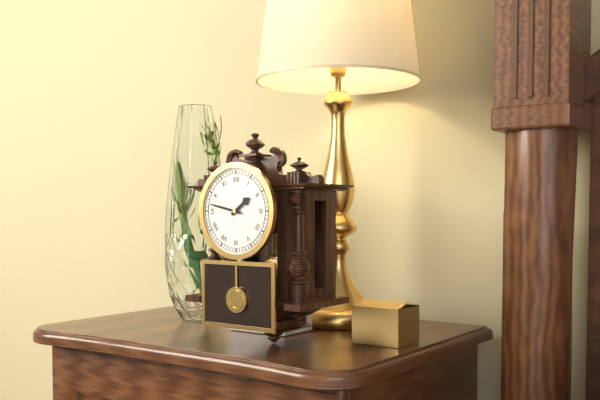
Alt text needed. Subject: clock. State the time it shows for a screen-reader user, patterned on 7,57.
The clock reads 1,47
